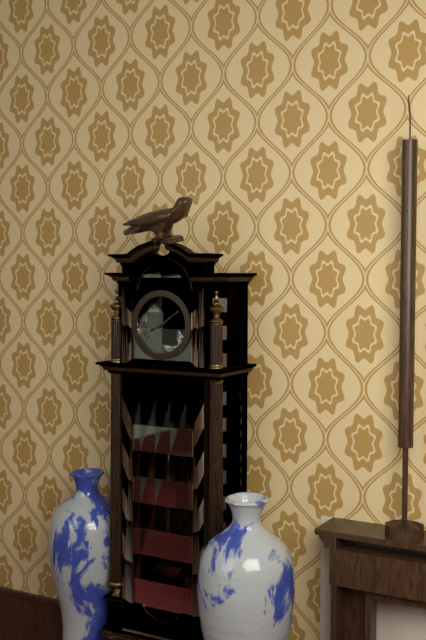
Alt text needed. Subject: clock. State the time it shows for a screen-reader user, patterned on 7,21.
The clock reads 8,09
